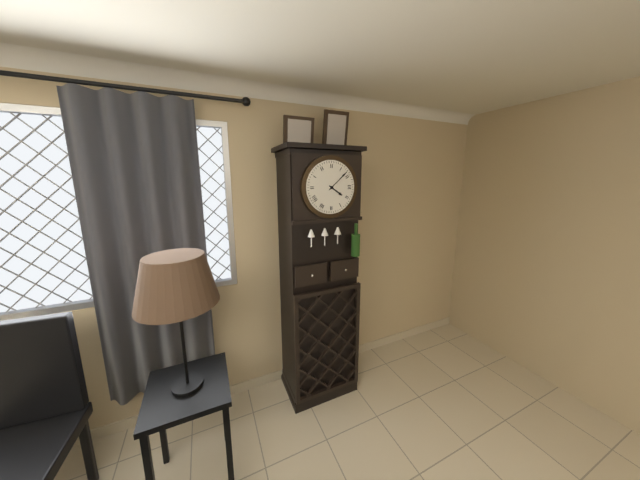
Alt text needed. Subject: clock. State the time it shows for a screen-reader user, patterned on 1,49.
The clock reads 4,08
